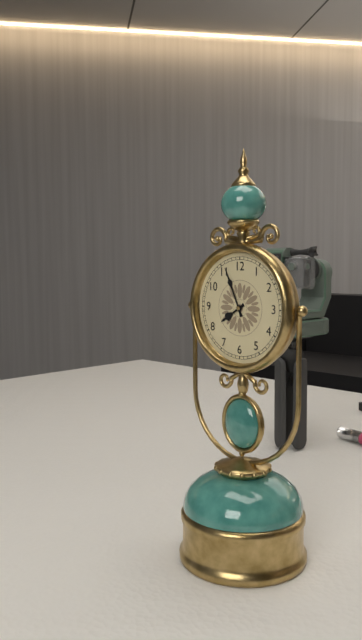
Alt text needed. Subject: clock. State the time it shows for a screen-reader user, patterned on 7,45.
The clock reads 7,56
